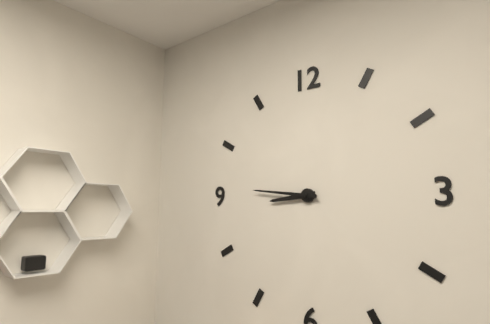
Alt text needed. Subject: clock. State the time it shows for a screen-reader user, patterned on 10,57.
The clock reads 8,46
